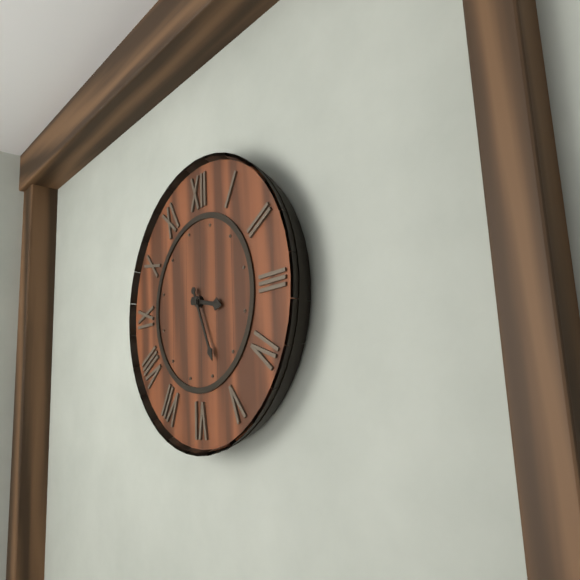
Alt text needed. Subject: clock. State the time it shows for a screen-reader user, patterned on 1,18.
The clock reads 3,26
